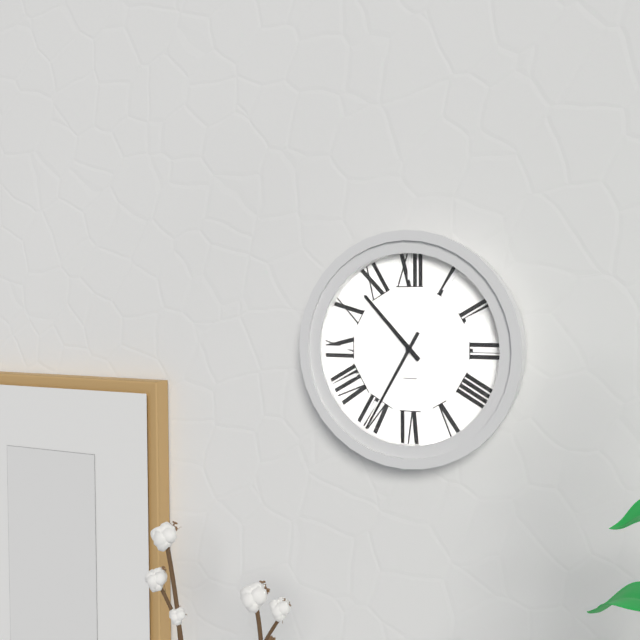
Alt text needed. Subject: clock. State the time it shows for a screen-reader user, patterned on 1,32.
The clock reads 10,35
